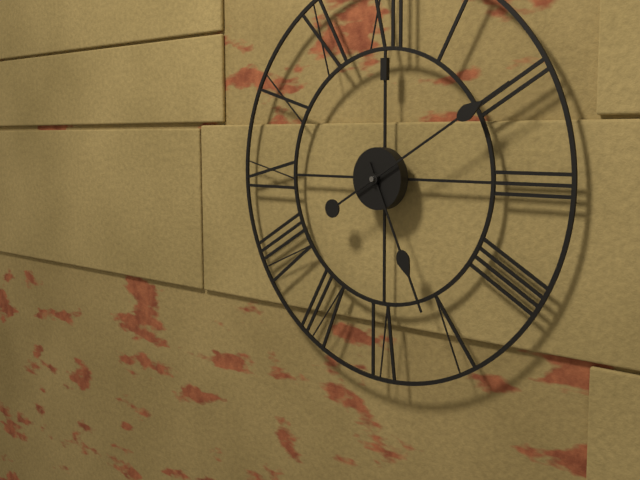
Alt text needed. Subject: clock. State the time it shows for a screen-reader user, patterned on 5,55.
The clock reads 5,10
